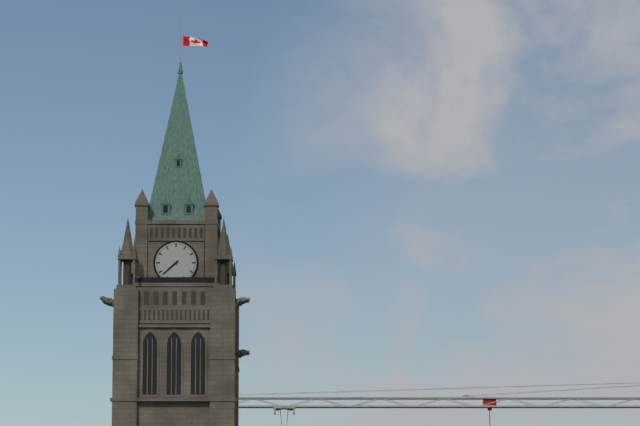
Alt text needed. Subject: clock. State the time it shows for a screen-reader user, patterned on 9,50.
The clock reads 7,38
